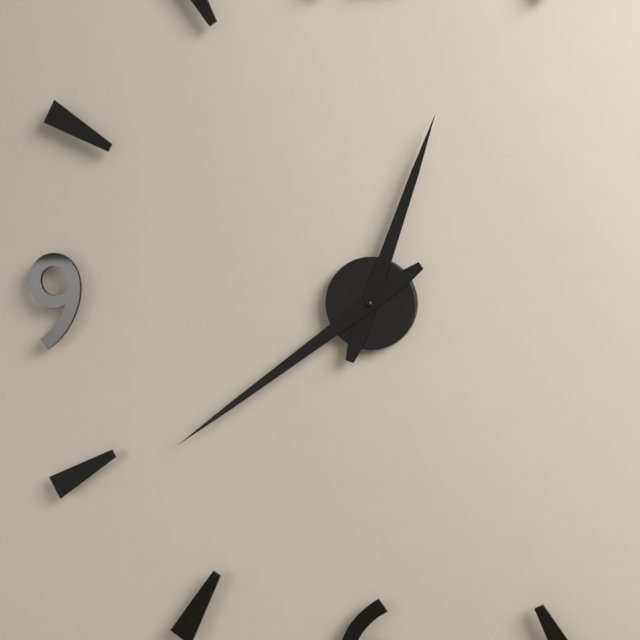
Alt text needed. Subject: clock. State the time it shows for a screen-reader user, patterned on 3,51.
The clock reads 12,39
